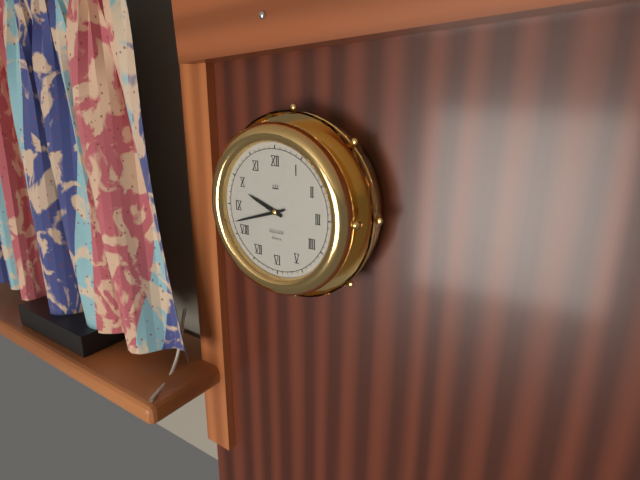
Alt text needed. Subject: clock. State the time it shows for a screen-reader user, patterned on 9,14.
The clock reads 9,42
